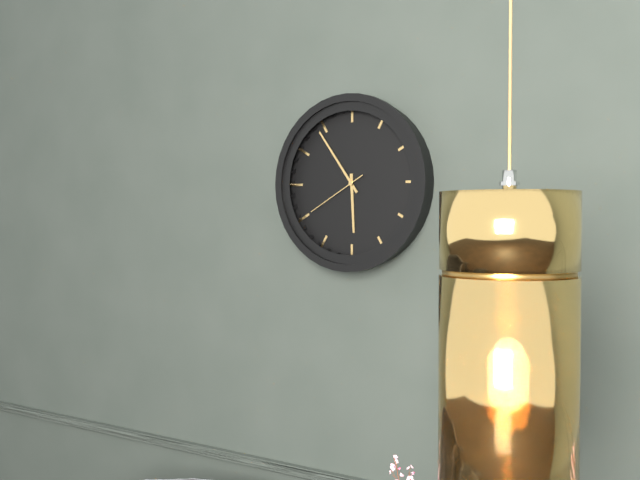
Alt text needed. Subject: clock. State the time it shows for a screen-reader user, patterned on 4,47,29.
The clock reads 5,54,40
